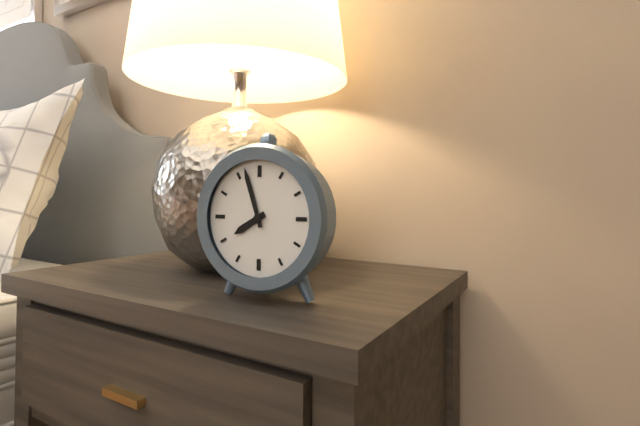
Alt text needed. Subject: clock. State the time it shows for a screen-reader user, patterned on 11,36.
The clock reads 7,57
